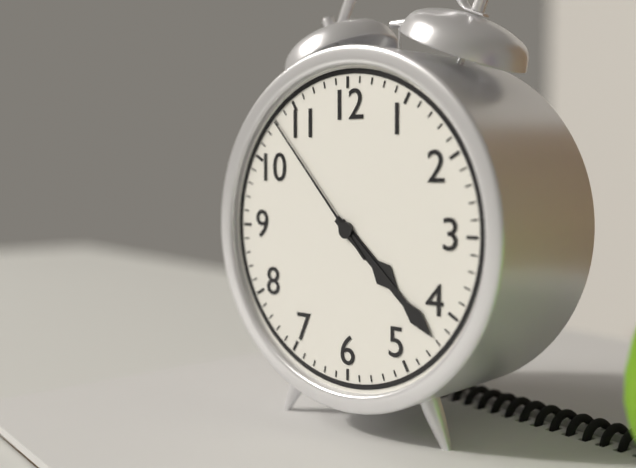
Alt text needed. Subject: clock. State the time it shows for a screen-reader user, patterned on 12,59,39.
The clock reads 4,22,53
